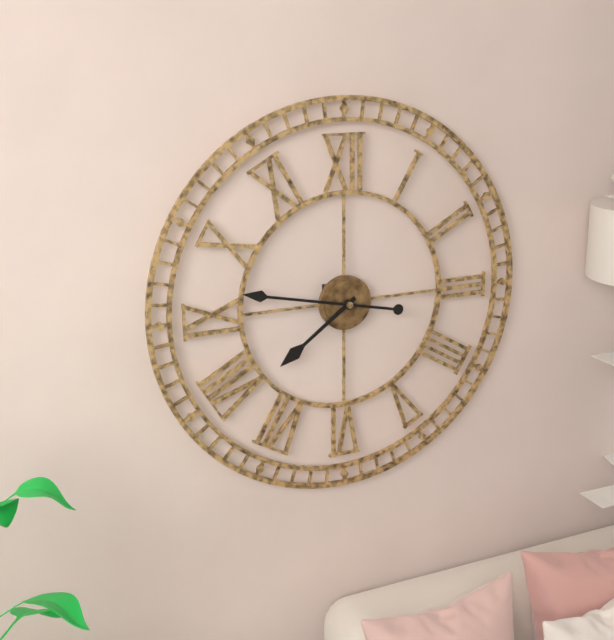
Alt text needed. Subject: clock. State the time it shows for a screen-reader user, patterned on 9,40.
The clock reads 7,47
